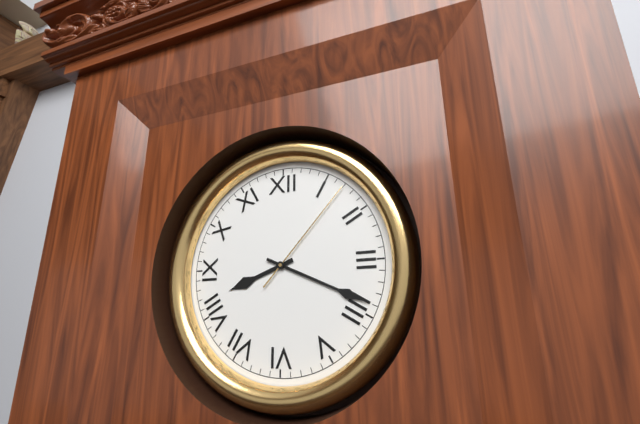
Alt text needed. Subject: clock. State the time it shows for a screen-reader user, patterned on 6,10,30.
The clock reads 8,19,07
